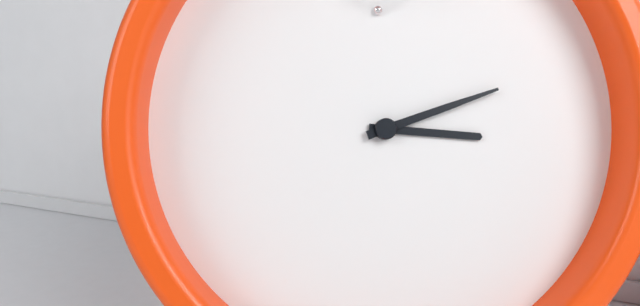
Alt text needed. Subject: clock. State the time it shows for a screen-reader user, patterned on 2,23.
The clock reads 3,12
